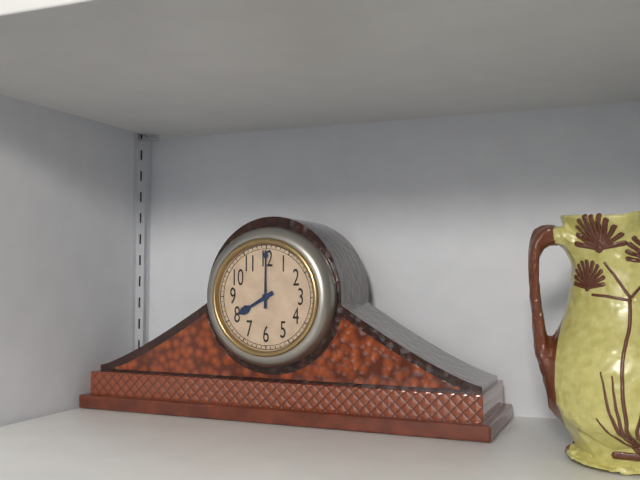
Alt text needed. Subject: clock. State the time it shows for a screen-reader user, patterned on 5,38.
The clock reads 8,00
